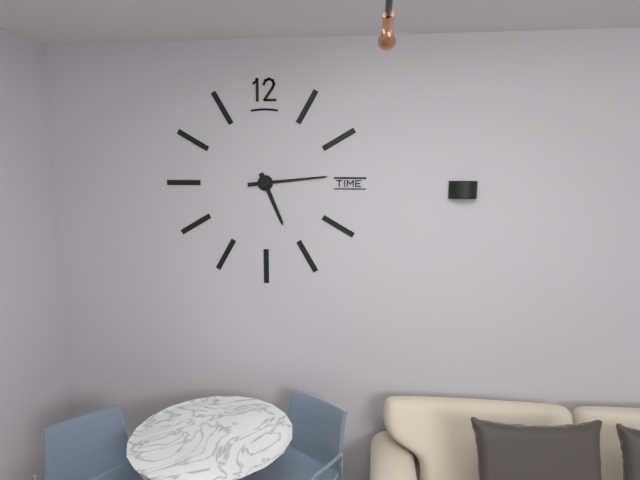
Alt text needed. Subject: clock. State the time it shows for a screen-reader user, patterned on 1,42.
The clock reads 5,14
